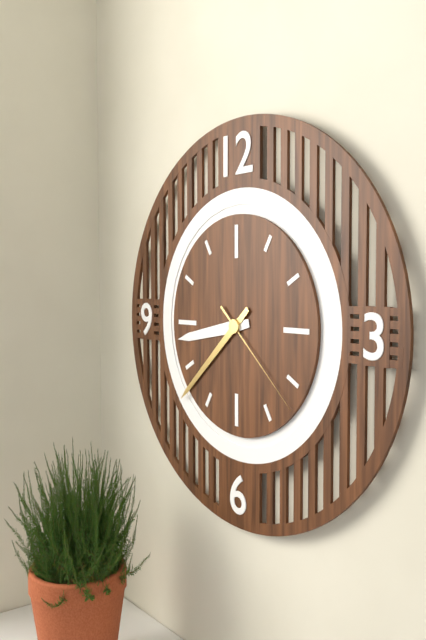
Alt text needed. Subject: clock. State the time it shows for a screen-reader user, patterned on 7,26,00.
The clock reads 8,38,22
